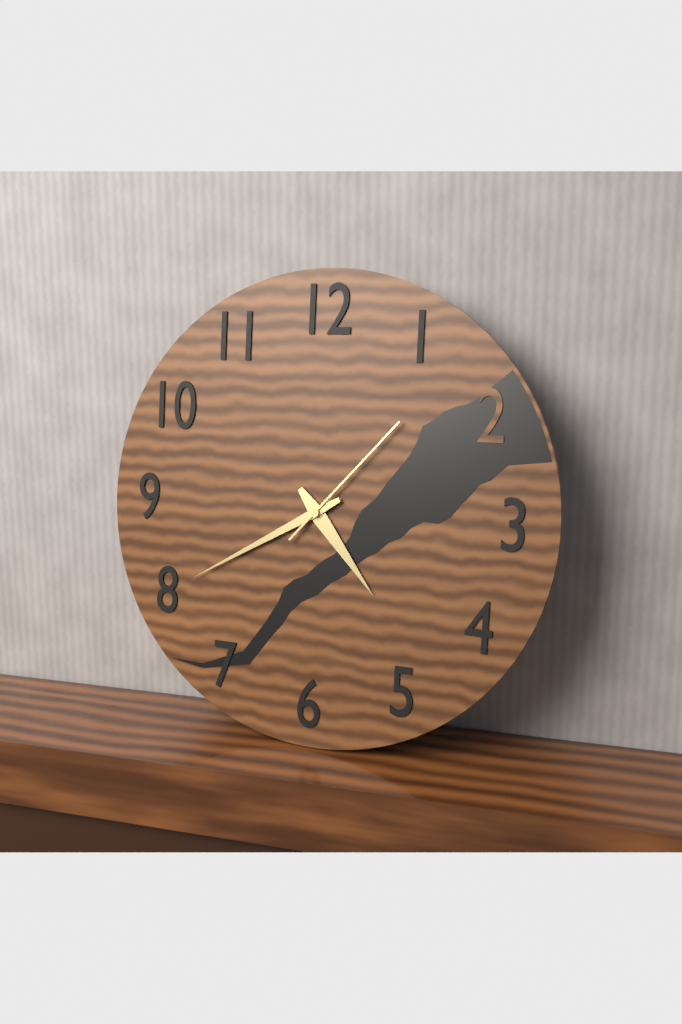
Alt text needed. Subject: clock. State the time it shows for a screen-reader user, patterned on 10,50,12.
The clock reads 4,40,07
